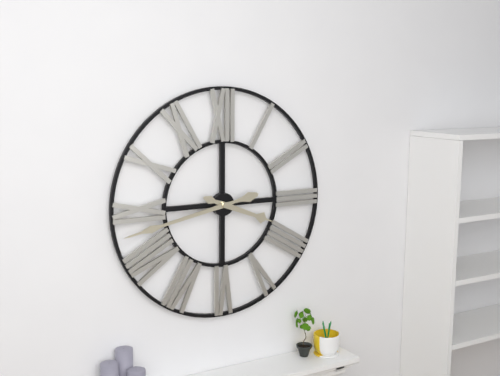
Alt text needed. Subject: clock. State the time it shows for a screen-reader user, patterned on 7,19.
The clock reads 3,43
